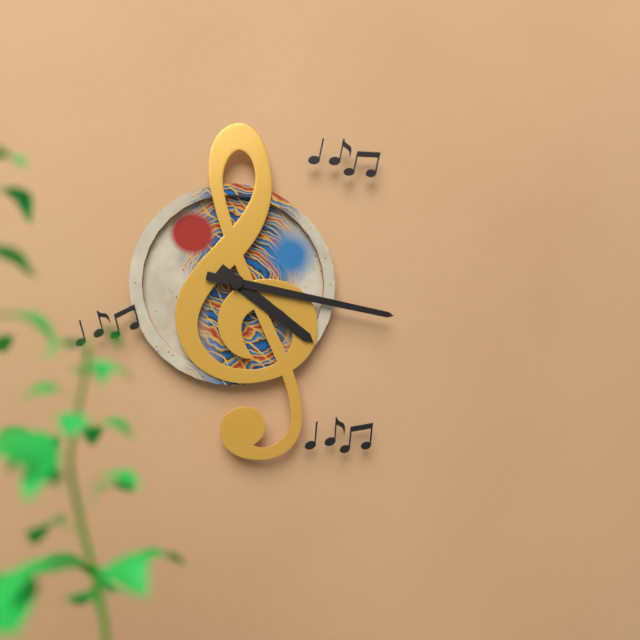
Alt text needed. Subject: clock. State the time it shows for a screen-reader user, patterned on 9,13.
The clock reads 4,17
